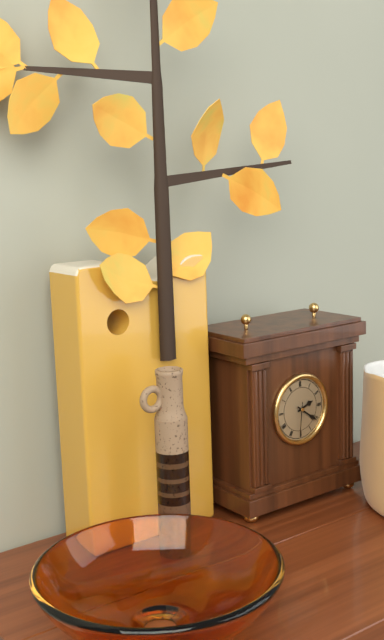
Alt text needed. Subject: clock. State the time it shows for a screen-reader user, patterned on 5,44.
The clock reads 2,21
